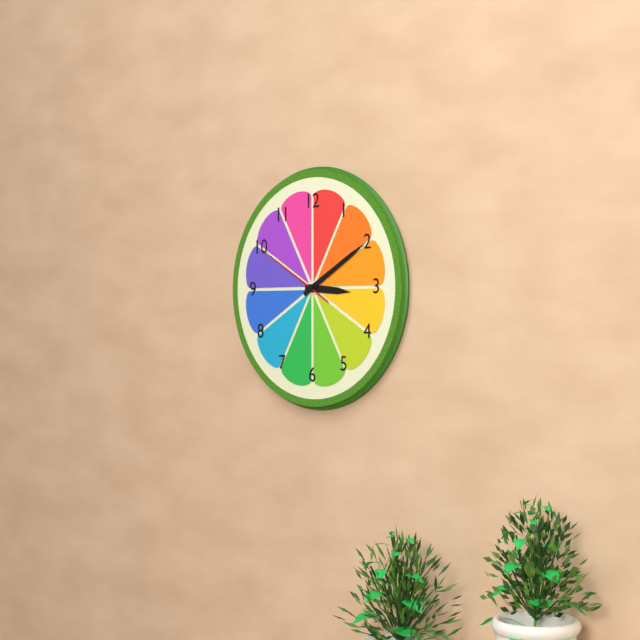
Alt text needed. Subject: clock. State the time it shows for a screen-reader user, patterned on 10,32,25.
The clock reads 3,10,50
